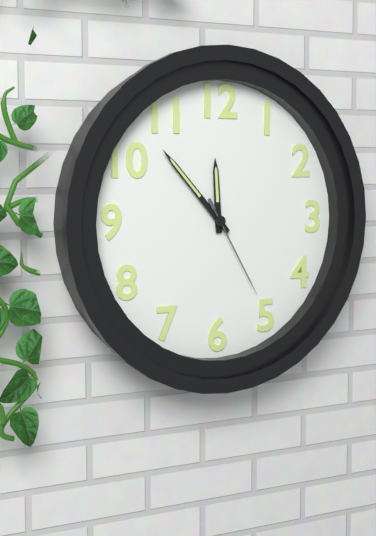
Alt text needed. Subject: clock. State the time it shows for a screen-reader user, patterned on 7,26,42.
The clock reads 11,53,25
